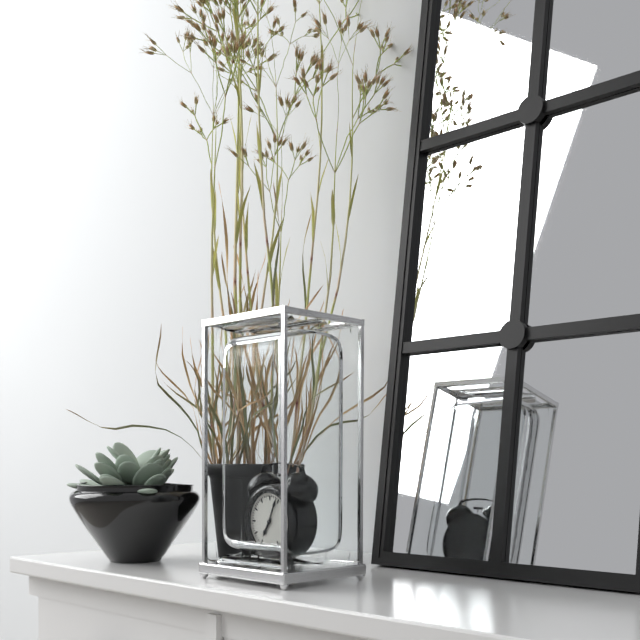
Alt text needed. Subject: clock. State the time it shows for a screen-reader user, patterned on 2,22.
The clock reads 7,04
